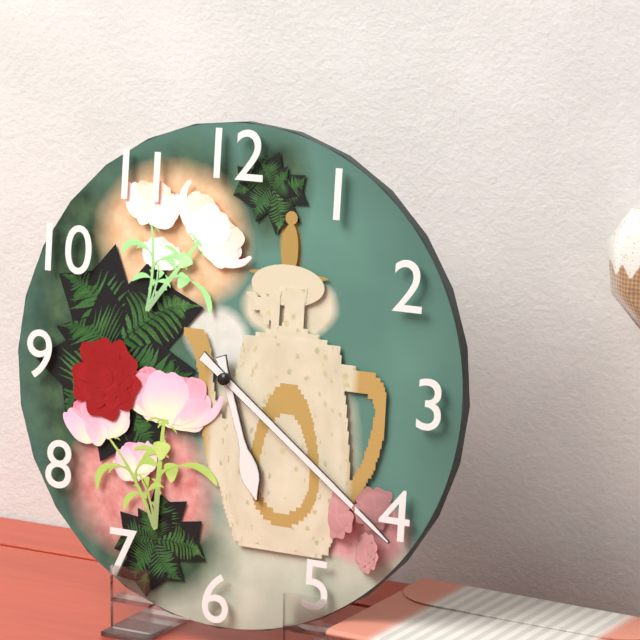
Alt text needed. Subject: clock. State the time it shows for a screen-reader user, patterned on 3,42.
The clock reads 5,21
